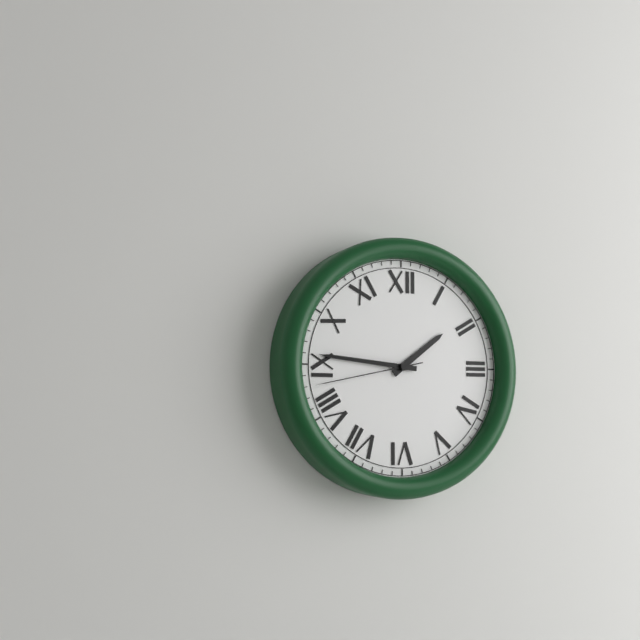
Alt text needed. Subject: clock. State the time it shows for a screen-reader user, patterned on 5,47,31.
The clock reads 1,46,43
